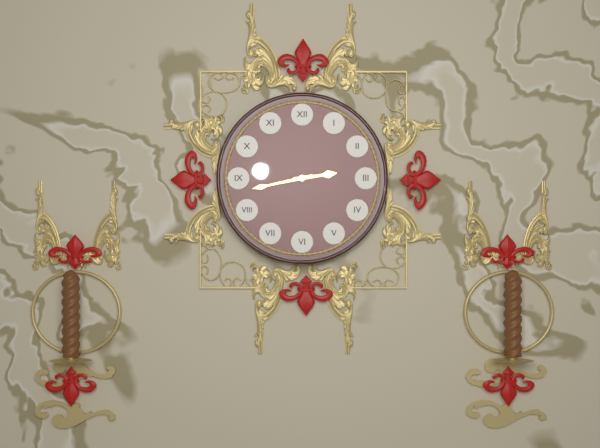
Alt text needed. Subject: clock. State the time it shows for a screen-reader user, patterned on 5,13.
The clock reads 2,43
